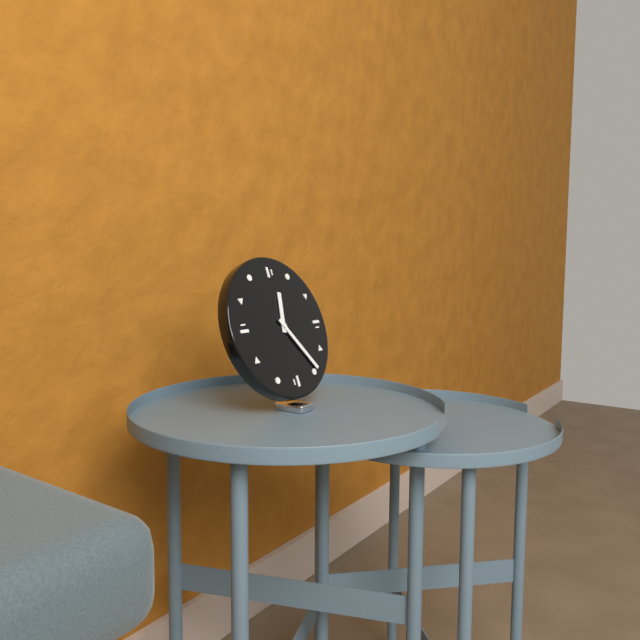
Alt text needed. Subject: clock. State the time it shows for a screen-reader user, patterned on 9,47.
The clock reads 12,24
